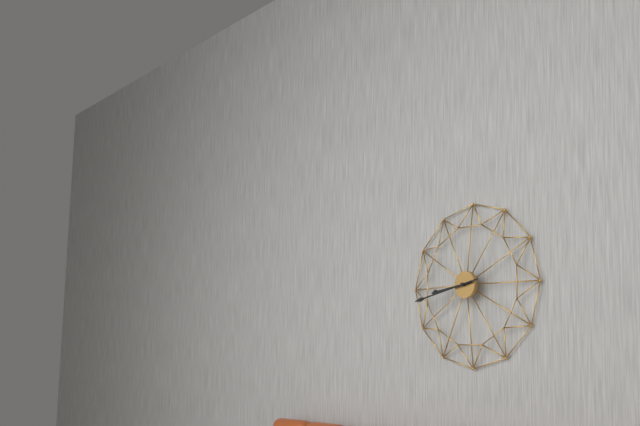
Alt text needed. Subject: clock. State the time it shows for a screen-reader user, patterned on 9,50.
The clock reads 8,43
